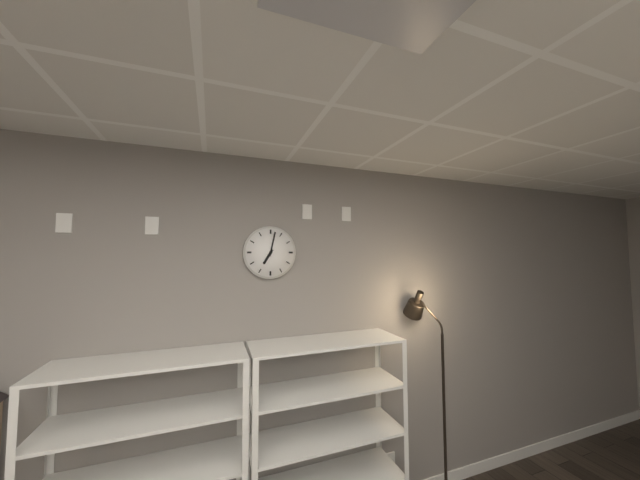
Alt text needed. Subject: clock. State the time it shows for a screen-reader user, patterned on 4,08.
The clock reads 7,02
